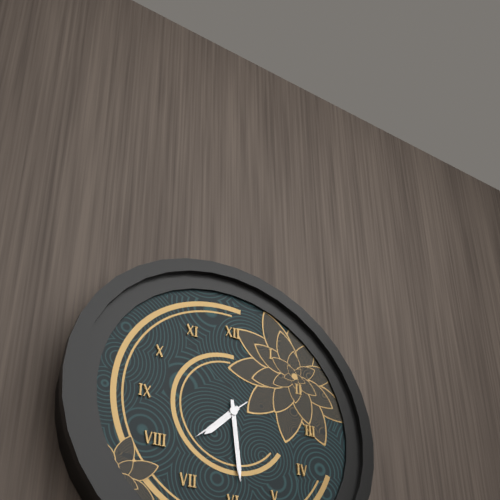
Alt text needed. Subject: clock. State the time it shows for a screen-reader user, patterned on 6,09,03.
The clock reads 7,29,38
